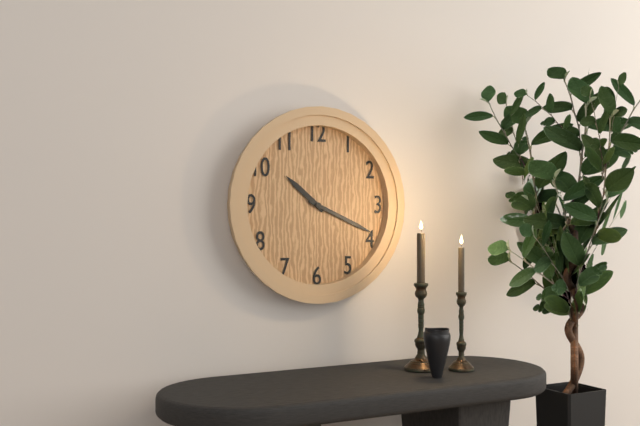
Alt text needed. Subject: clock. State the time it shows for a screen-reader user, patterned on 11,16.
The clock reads 10,19
